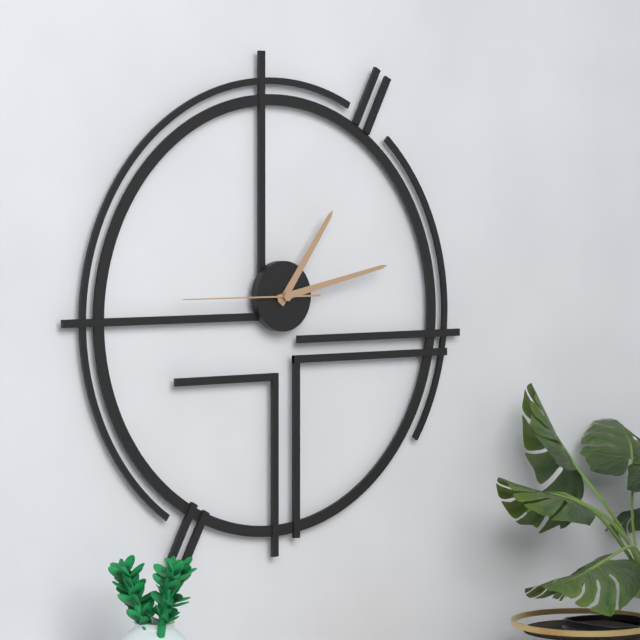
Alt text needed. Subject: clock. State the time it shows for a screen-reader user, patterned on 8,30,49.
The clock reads 1,13,45
